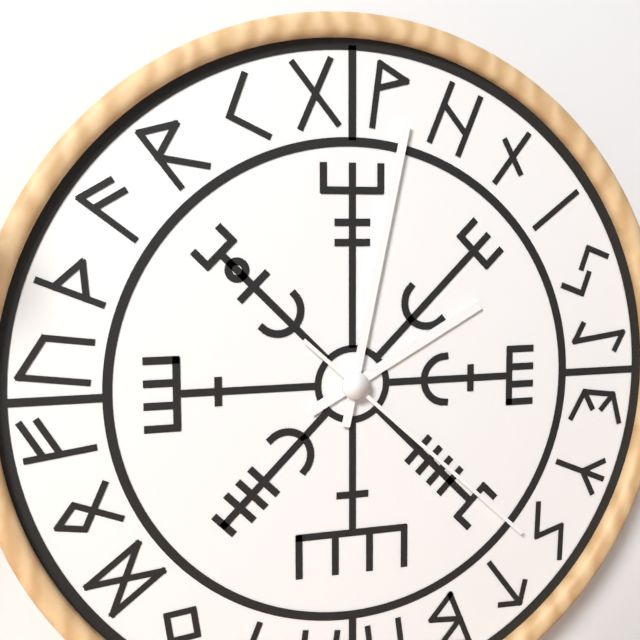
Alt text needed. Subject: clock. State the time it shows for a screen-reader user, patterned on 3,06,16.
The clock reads 2,02,22
